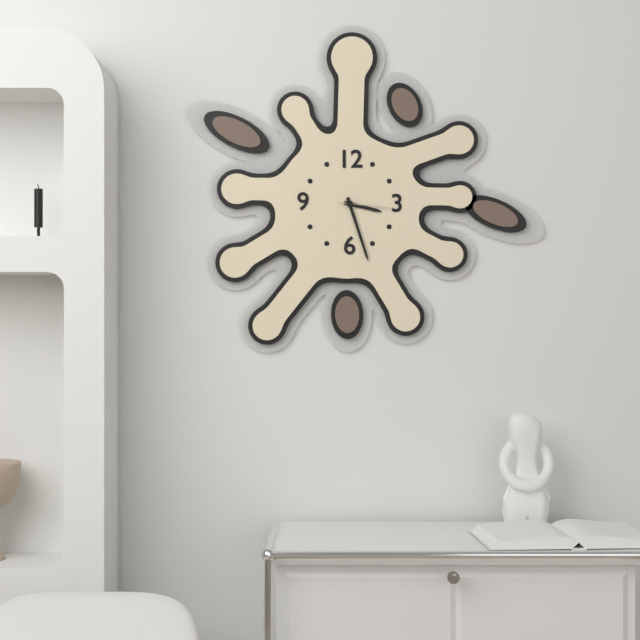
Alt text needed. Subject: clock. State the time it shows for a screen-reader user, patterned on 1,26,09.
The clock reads 3,27,16
